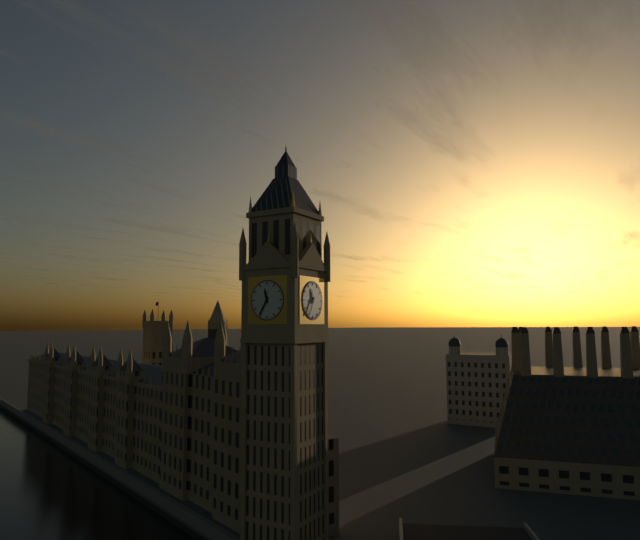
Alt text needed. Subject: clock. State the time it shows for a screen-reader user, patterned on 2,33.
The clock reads 11,35
